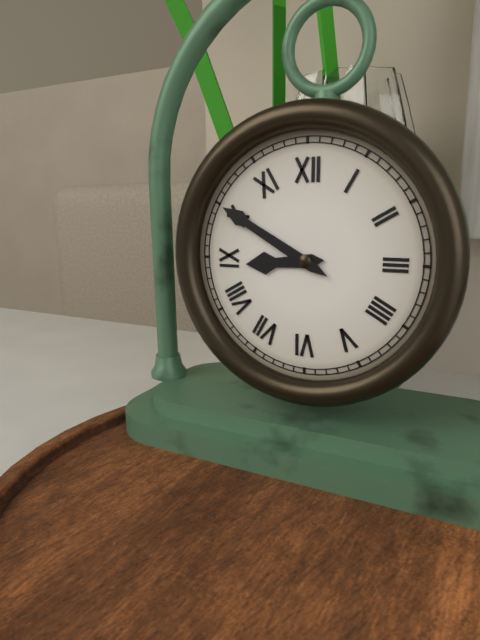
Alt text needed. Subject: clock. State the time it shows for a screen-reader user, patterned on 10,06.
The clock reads 8,50
